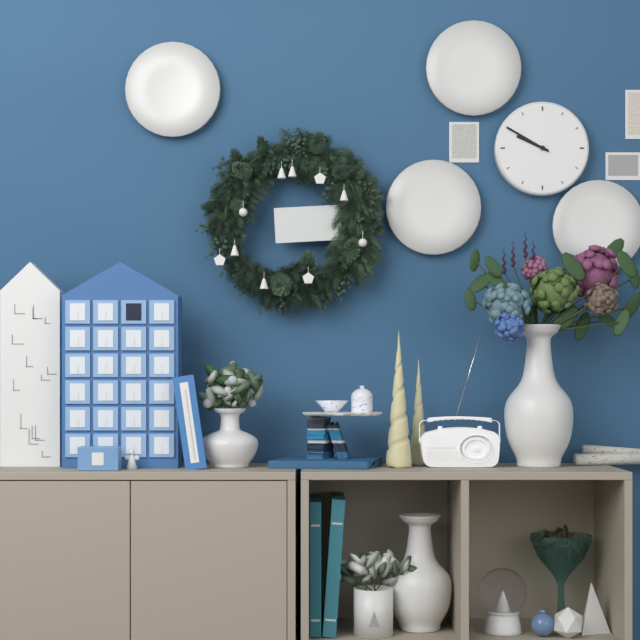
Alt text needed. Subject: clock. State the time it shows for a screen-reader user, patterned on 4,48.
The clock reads 9,50
